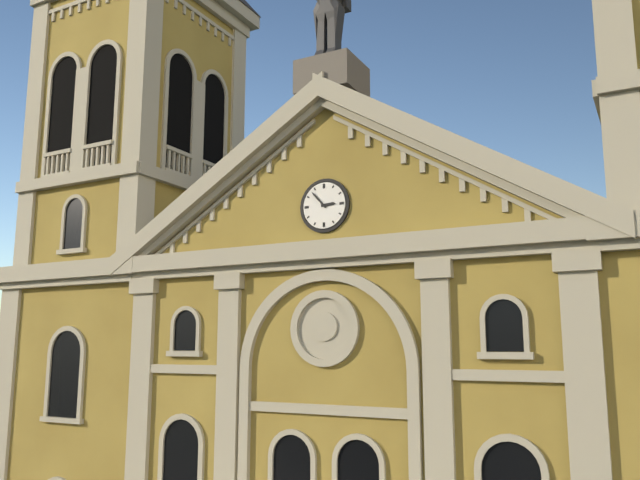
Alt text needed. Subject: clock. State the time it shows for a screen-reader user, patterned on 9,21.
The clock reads 2,53
